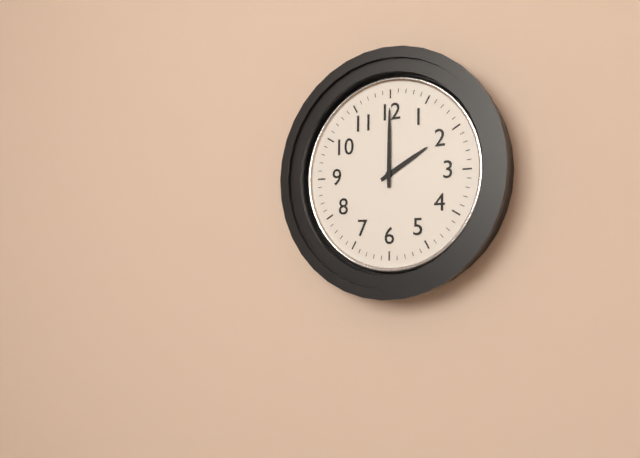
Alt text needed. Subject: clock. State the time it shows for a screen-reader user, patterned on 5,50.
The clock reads 2,00
